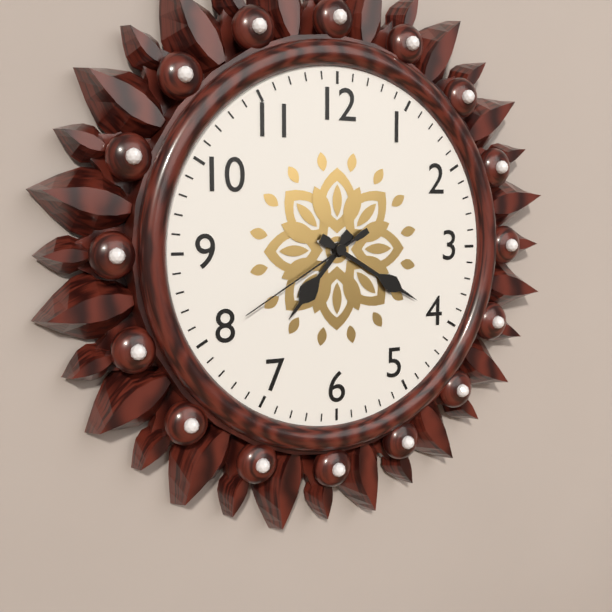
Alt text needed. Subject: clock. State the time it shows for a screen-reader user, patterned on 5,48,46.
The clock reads 7,20,40
